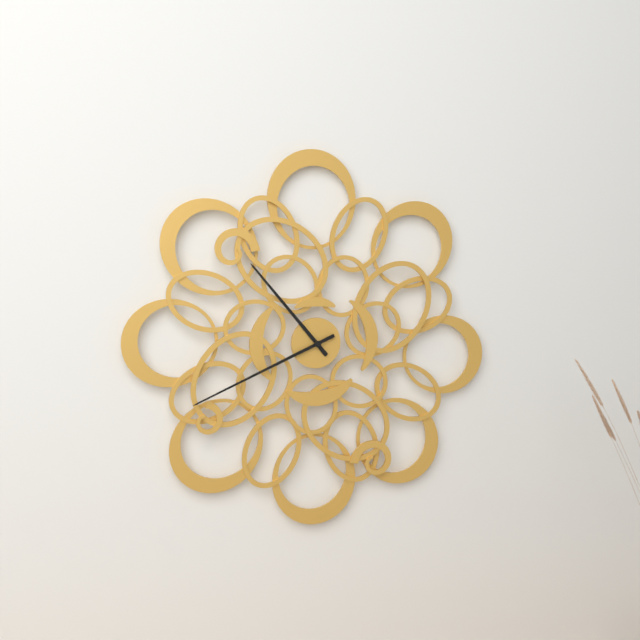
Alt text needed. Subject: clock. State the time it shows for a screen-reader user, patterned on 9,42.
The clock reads 10,41
